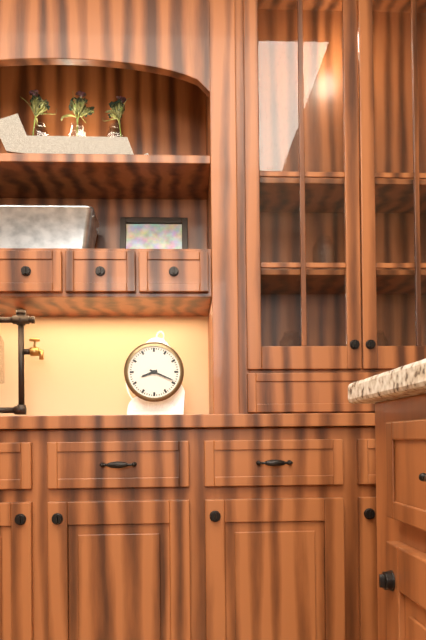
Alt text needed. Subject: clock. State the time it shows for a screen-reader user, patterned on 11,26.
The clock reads 8,19
